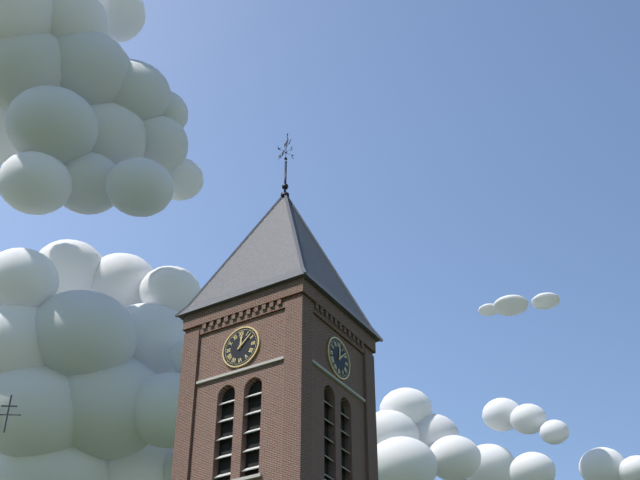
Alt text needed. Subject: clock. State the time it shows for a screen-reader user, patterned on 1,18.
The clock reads 12,08
